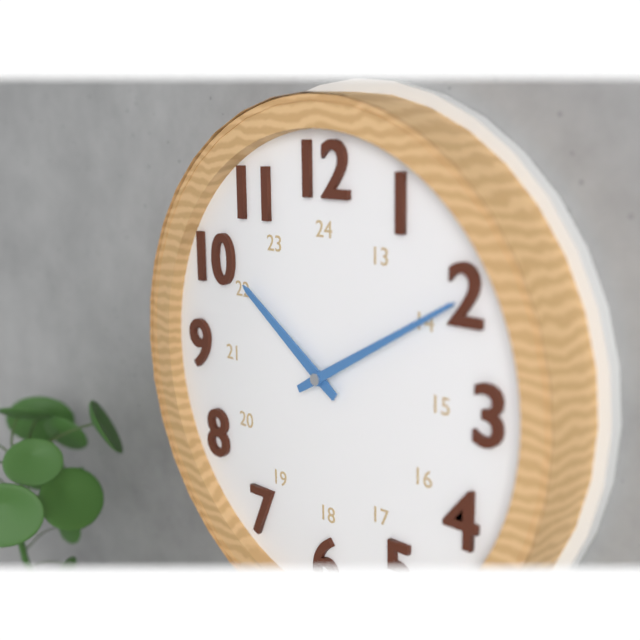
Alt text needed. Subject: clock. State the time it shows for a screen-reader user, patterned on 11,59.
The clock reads 10,10
